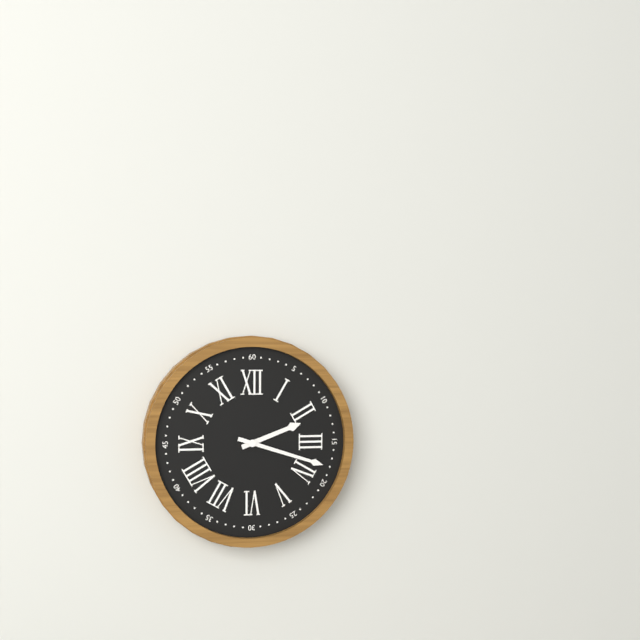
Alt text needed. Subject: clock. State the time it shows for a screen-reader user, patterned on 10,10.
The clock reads 2,18
